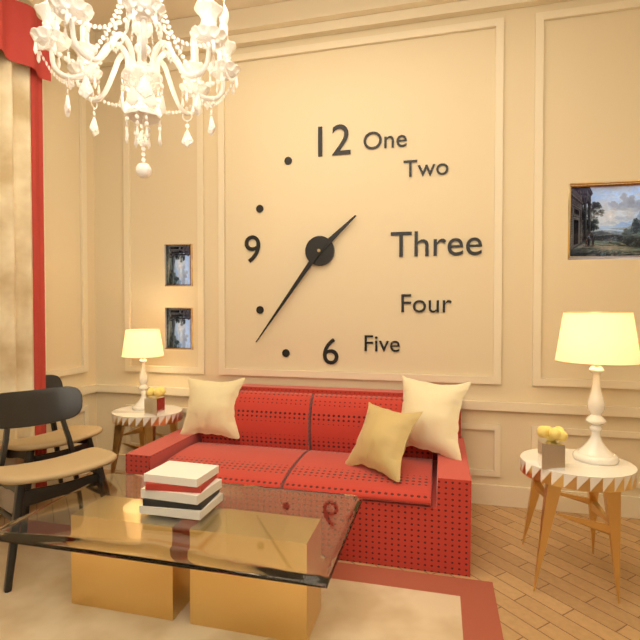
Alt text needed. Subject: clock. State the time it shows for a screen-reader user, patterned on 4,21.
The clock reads 1,36
